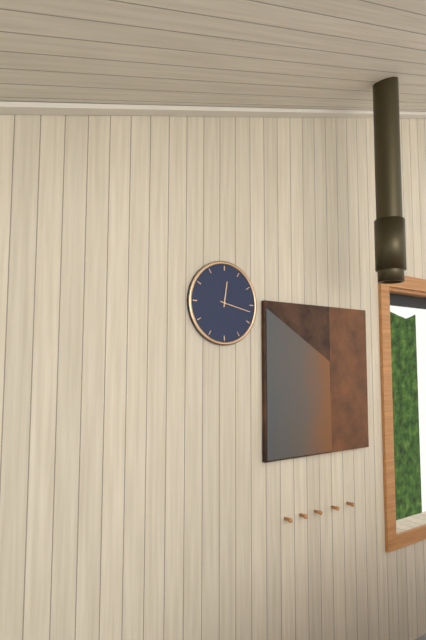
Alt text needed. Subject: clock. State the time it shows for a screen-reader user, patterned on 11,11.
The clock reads 12,17
